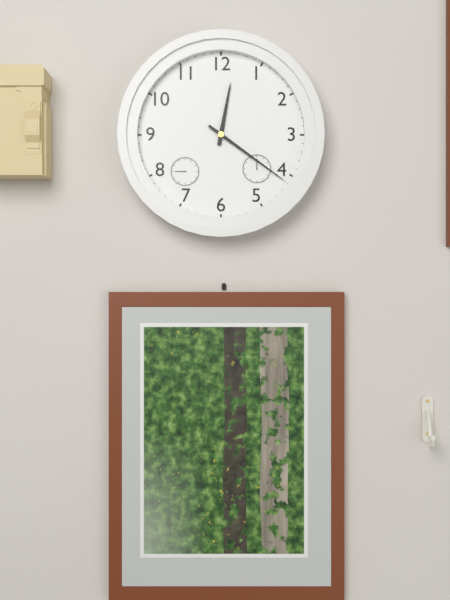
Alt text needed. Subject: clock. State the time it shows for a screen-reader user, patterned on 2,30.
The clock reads 12,21
